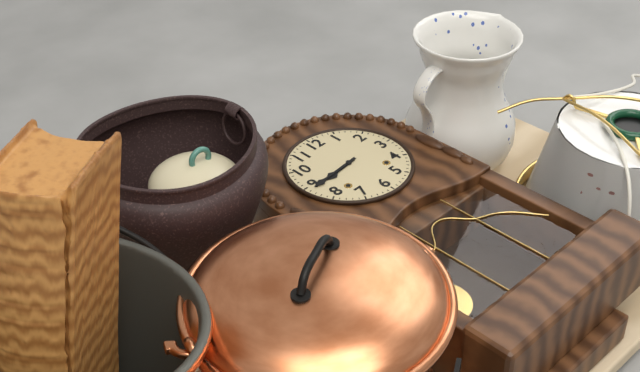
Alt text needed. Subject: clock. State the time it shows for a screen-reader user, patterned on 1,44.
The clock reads 8,44
